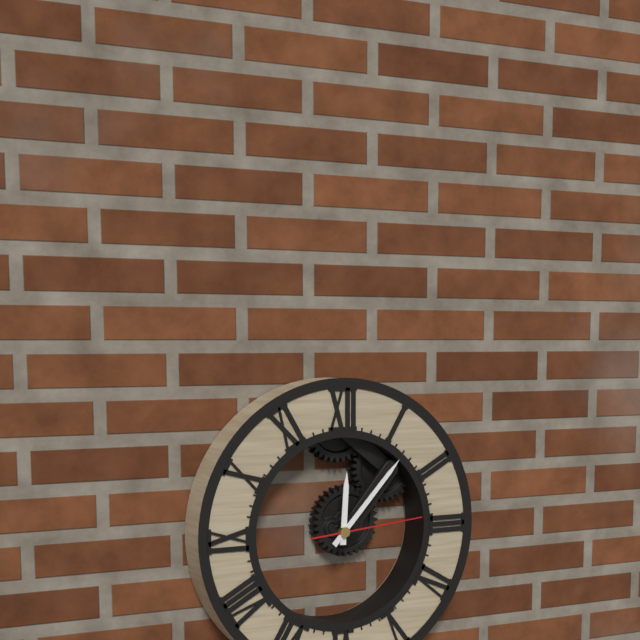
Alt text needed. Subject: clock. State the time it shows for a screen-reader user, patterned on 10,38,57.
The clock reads 12,07,14
